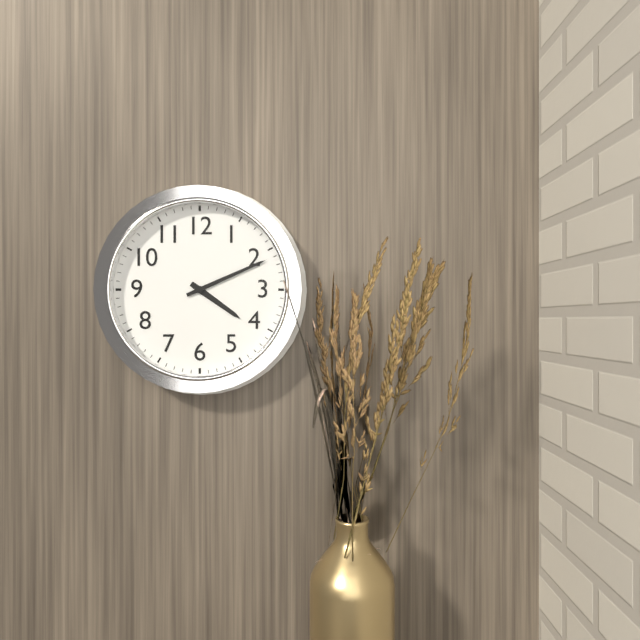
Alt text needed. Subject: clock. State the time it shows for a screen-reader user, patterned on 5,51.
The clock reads 4,11
